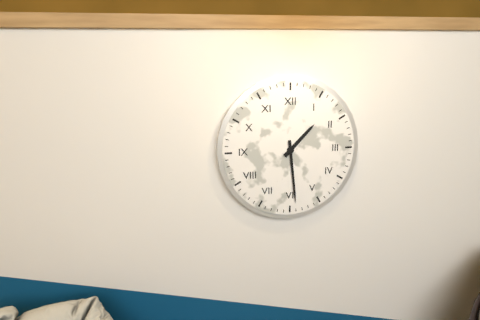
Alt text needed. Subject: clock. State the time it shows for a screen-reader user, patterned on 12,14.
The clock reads 1,29
